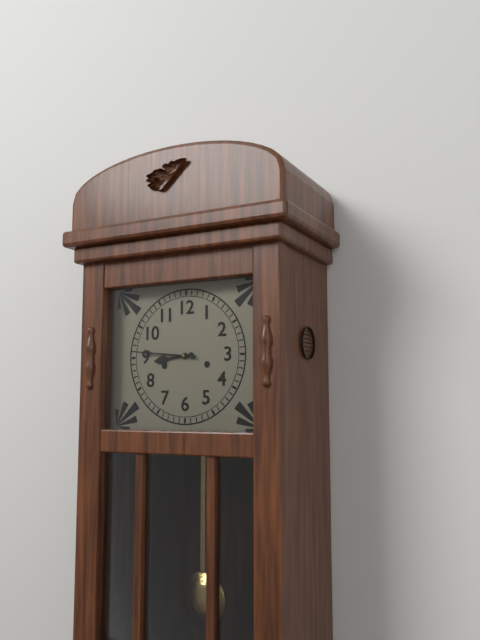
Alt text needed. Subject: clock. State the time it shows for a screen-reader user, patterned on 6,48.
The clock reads 8,46
